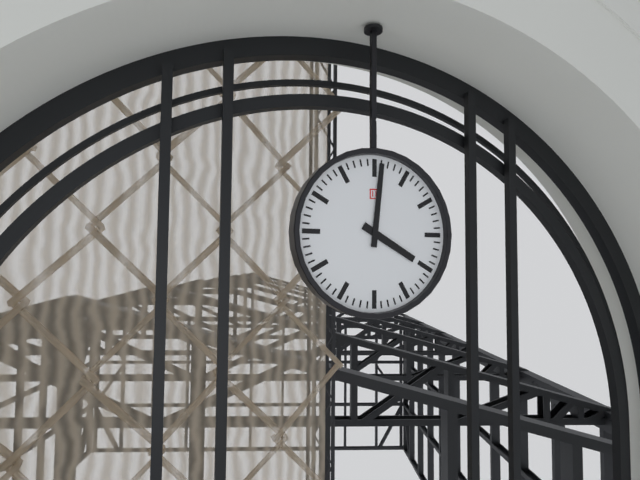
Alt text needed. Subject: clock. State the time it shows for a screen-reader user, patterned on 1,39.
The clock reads 4,01
